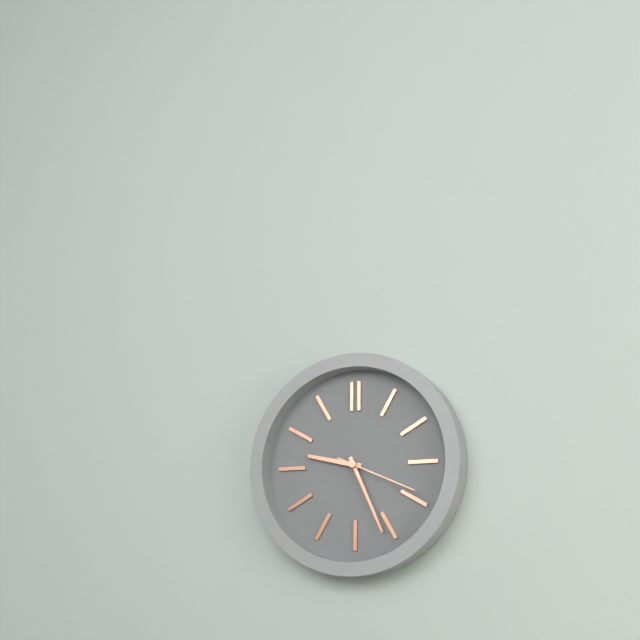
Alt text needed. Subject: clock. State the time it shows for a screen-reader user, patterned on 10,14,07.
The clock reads 9,26,19
